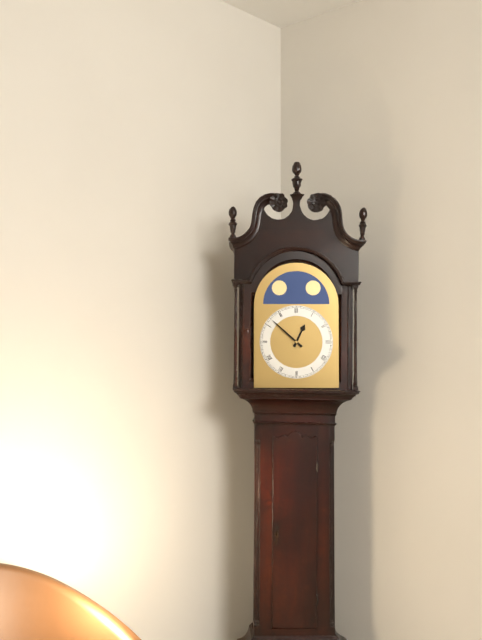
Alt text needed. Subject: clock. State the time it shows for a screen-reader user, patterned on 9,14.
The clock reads 12,52
